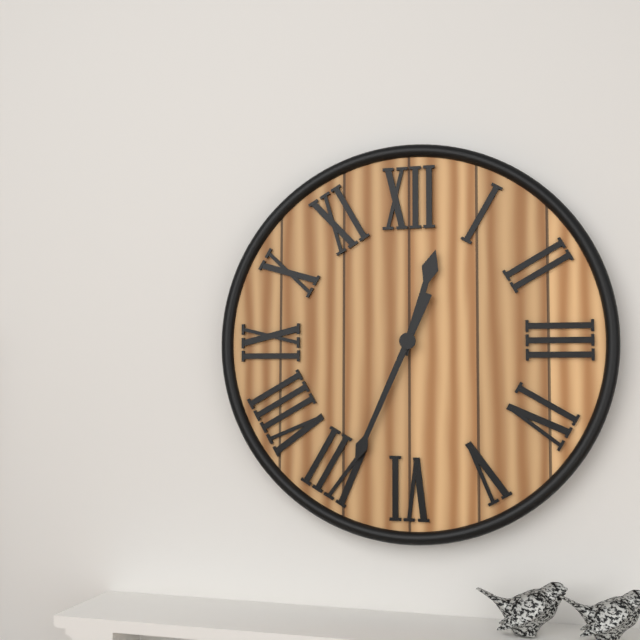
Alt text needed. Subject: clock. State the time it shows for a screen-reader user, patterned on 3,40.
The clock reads 12,34
